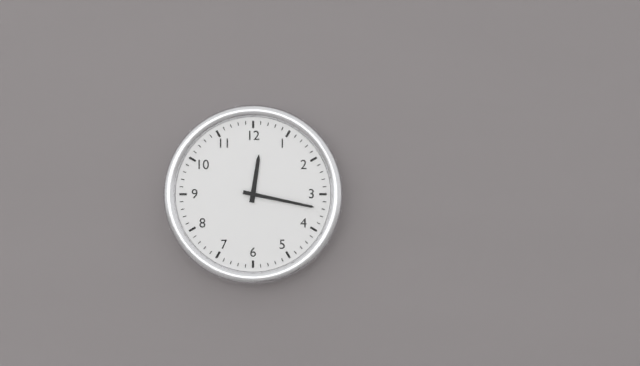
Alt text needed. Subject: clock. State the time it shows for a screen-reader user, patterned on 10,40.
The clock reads 12,17
